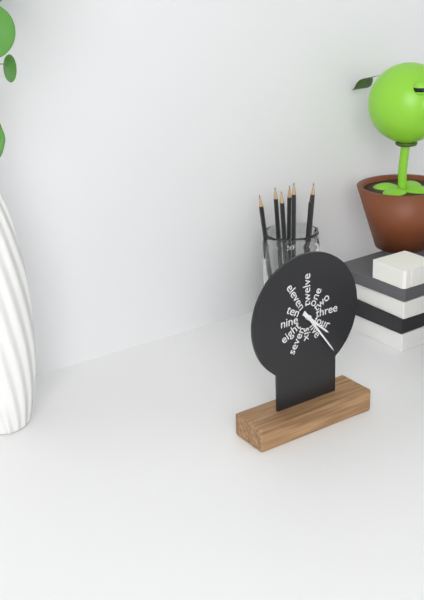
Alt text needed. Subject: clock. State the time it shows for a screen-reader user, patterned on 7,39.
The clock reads 4,24
